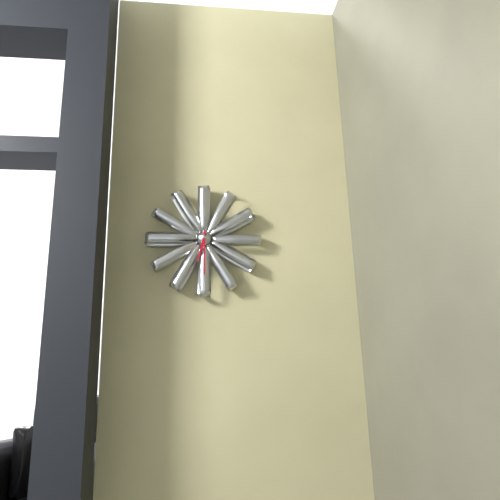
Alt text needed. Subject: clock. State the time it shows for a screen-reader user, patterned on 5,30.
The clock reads 6,30
